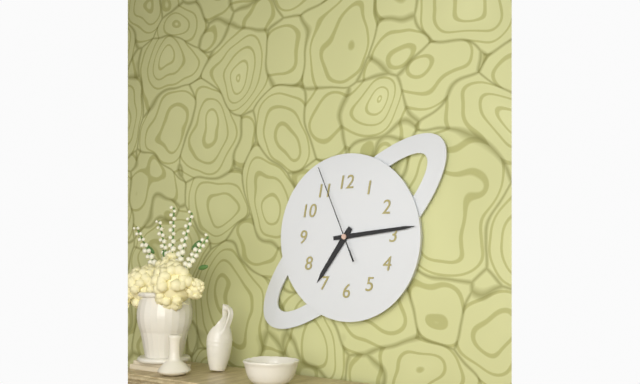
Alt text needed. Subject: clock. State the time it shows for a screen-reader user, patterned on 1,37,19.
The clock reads 7,14,56
